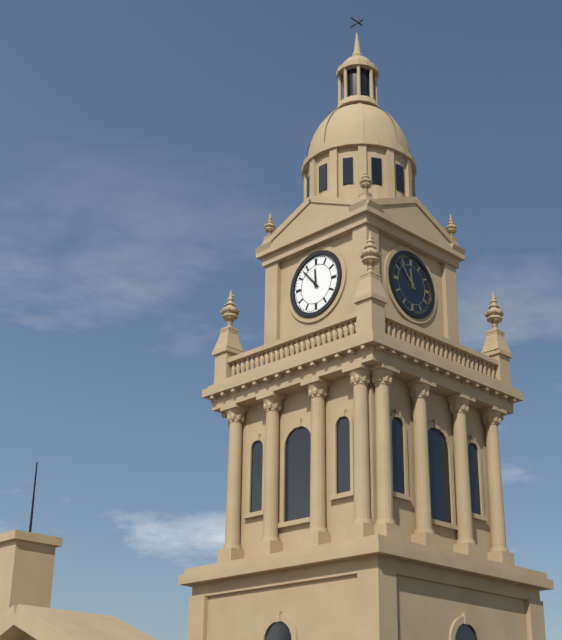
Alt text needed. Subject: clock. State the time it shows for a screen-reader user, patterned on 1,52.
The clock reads 11,53
